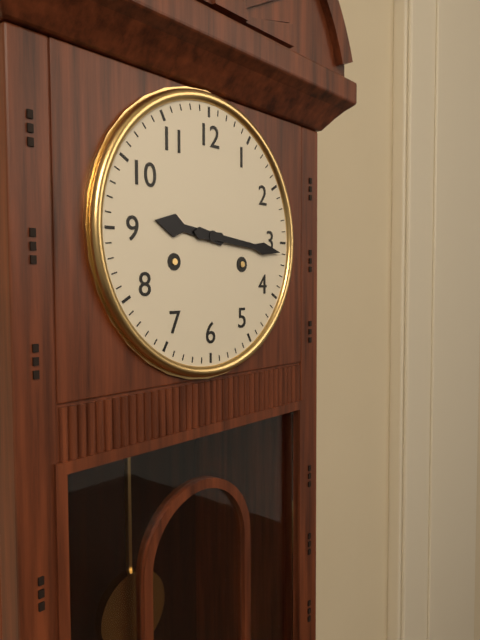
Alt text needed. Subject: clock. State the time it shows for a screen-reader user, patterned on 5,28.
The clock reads 9,16
